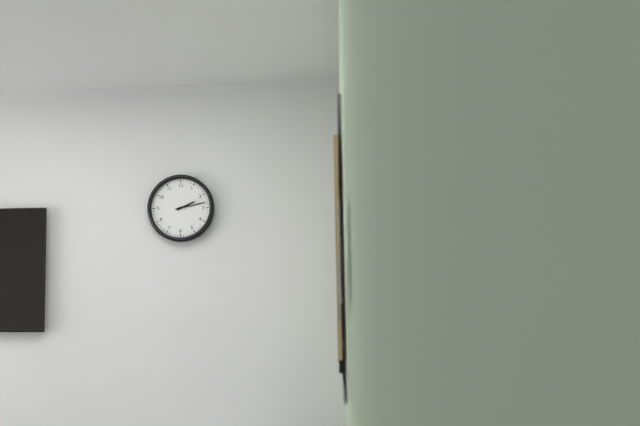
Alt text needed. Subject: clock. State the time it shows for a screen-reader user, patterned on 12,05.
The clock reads 2,13
